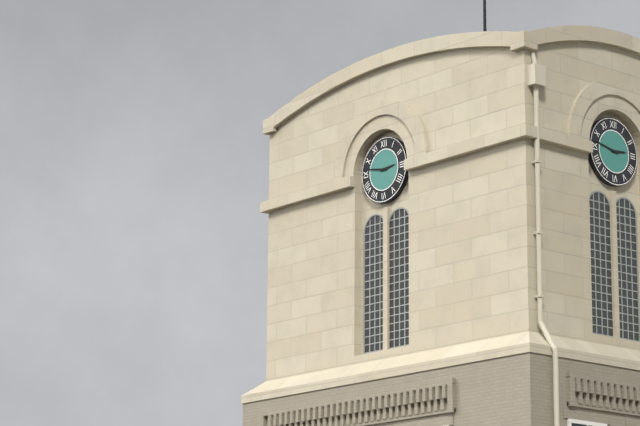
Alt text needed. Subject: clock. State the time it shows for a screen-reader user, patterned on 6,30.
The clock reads 2,47
